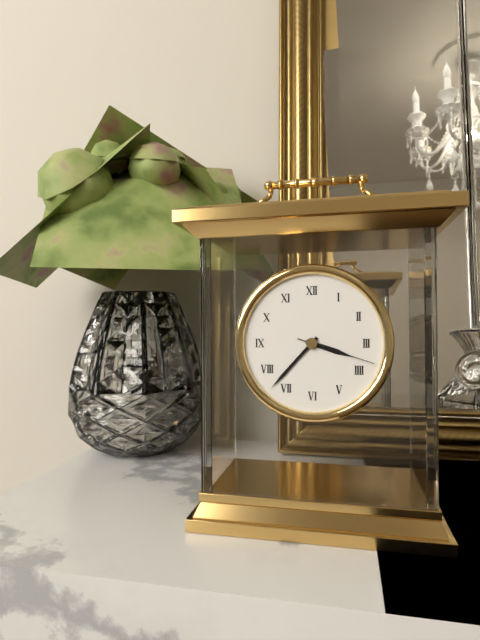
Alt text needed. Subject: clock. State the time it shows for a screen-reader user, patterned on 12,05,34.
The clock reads 3,37,18
